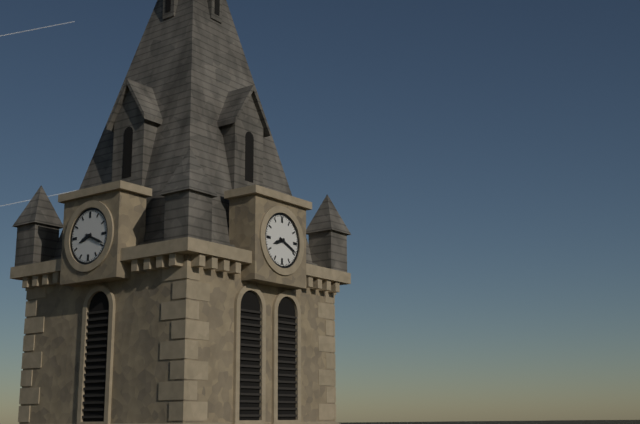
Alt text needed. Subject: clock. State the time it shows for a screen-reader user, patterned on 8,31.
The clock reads 8,19
